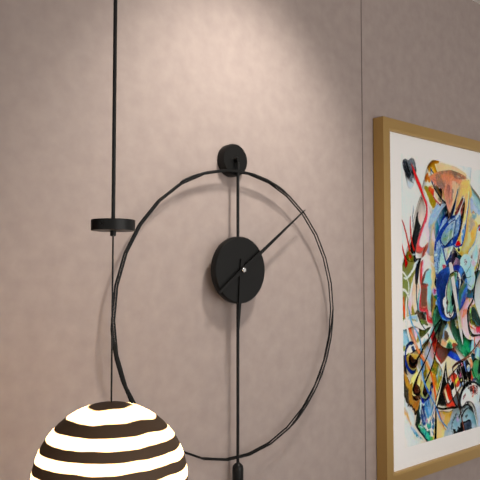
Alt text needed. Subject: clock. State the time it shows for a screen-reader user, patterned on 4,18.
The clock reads 6,09
